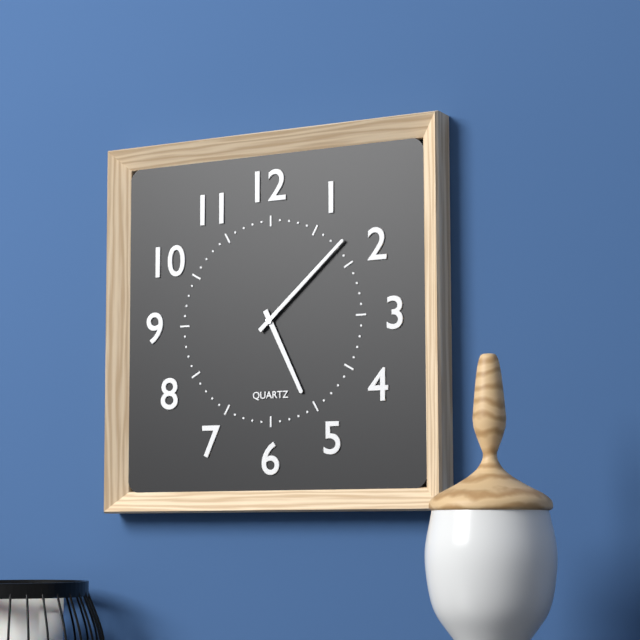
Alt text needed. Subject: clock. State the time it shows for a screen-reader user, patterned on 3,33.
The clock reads 5,08
